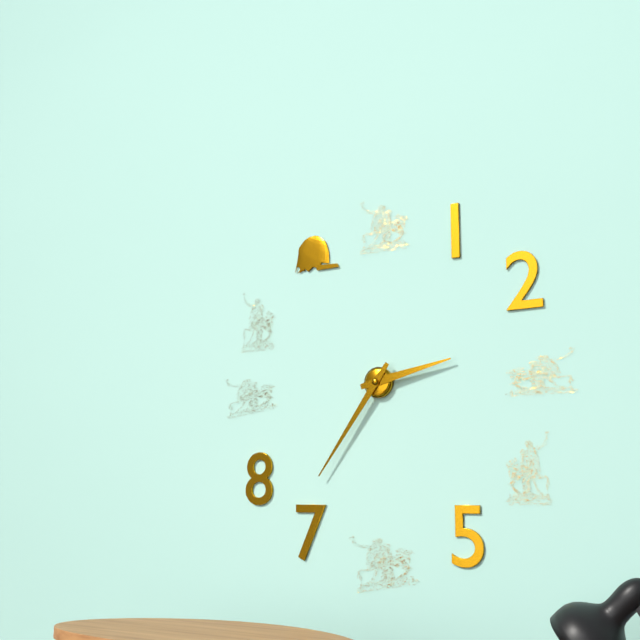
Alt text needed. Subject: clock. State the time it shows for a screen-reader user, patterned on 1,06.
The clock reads 2,36
